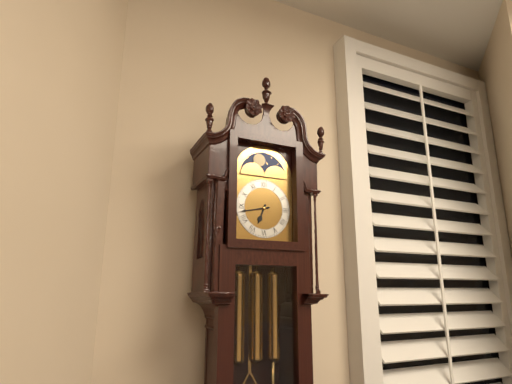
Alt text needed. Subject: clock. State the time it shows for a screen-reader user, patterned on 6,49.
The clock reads 6,43
